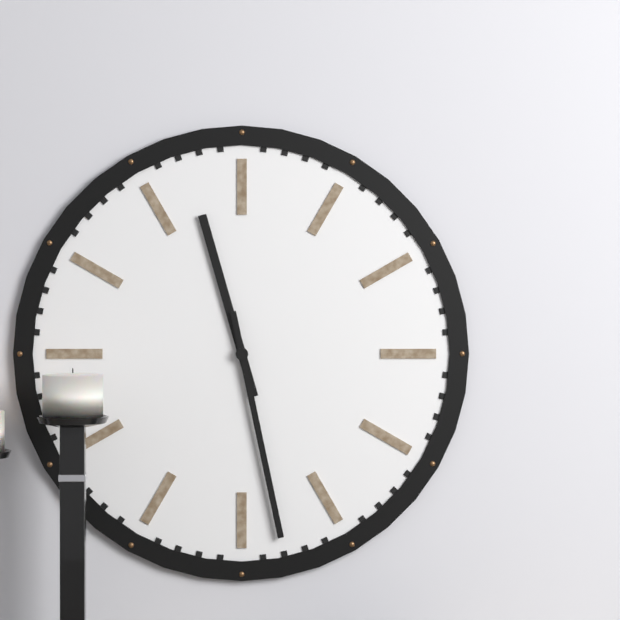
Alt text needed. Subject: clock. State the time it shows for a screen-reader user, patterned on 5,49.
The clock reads 11,28
